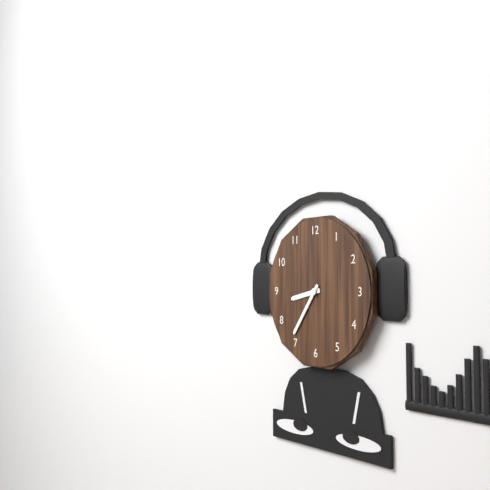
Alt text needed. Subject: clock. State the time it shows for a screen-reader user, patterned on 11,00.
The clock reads 8,36
